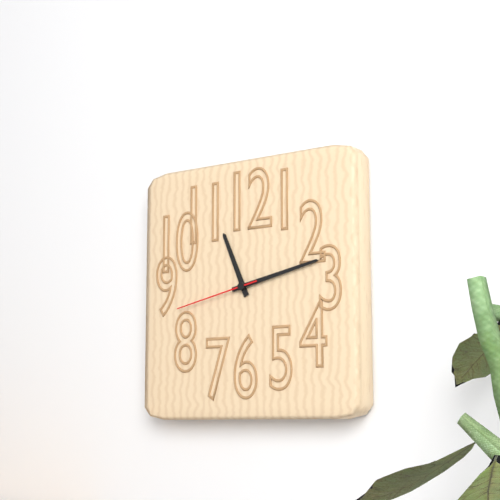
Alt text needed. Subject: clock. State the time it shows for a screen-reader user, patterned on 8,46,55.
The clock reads 11,13,43
